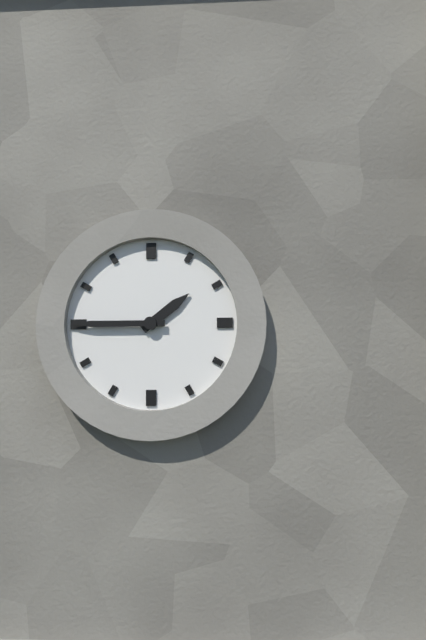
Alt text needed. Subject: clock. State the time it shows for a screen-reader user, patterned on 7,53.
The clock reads 1,45
